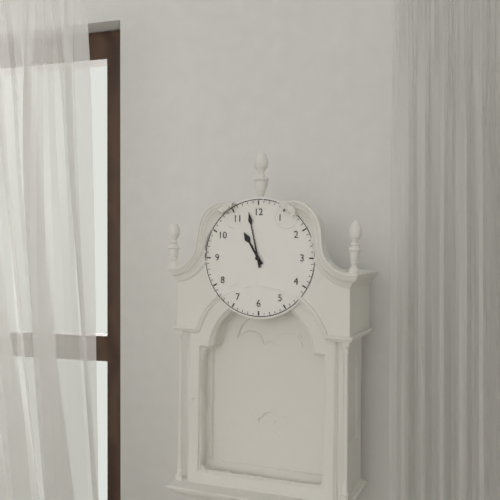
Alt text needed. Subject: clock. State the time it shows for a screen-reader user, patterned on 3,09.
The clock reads 10,58
